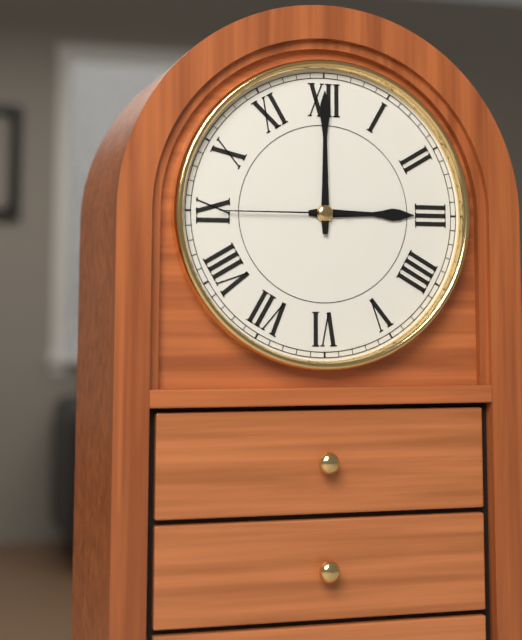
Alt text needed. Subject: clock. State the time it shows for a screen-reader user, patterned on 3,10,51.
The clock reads 3,00,45
